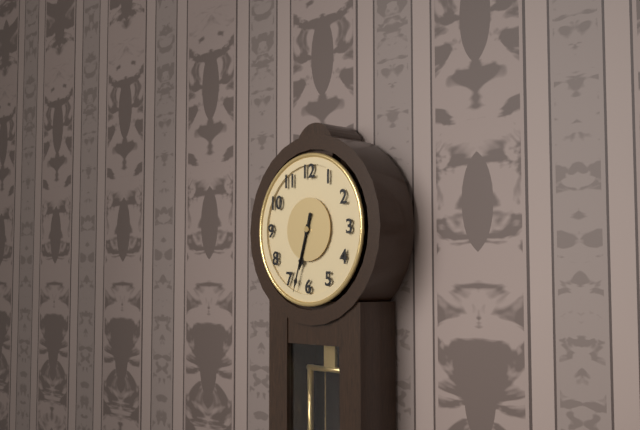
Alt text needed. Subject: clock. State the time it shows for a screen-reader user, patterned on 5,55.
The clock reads 6,33
